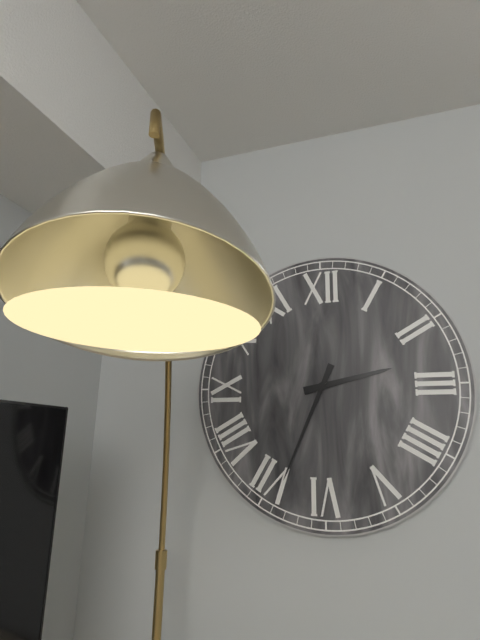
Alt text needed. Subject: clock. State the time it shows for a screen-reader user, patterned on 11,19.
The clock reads 2,34
